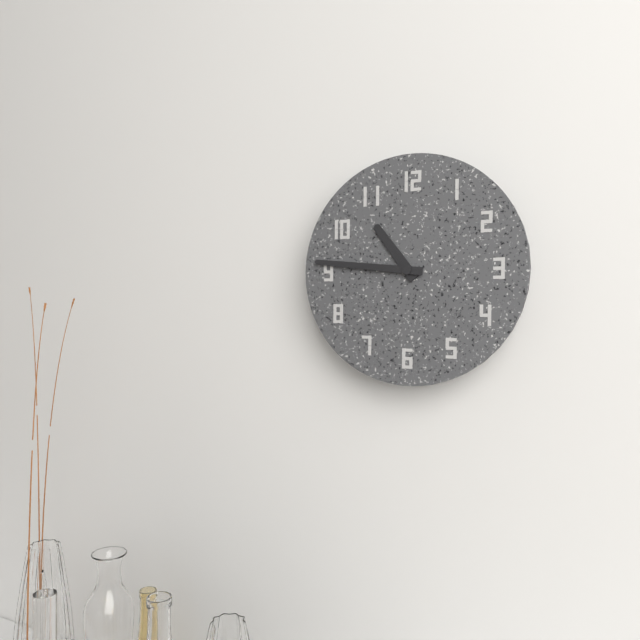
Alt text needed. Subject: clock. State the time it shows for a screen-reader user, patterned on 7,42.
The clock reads 10,46
